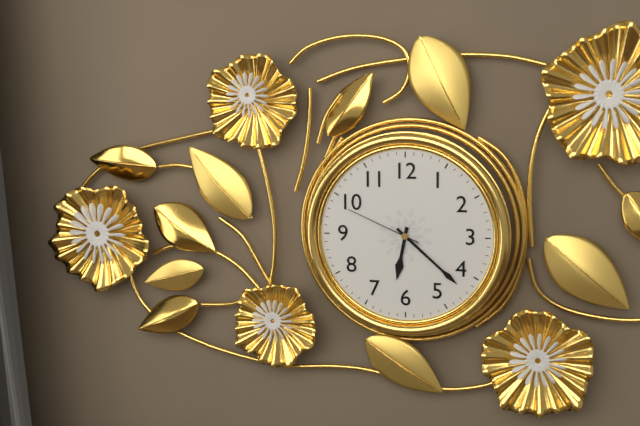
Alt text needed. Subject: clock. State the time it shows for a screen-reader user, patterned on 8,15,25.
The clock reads 6,22,49
